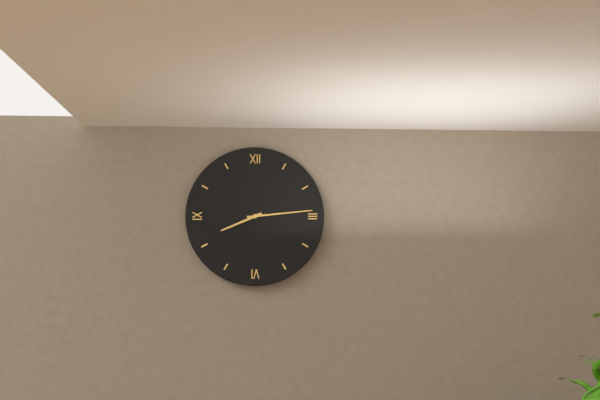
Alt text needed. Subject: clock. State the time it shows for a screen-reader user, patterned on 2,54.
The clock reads 8,14
